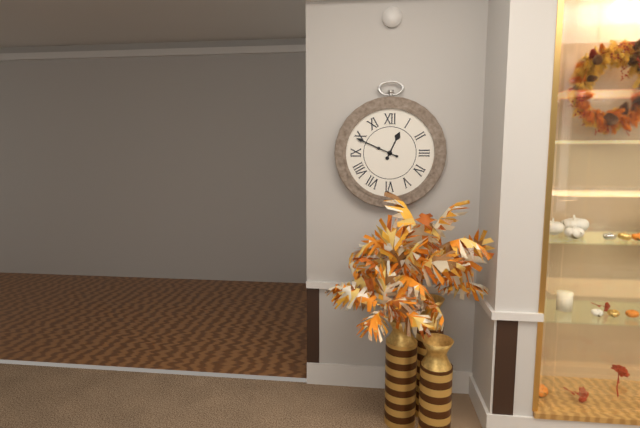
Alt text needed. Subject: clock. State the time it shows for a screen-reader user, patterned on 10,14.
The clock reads 12,49
